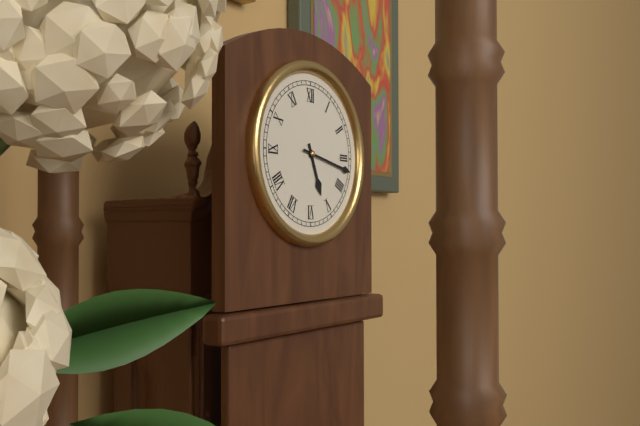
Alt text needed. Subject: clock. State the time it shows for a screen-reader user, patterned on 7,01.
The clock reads 5,17
